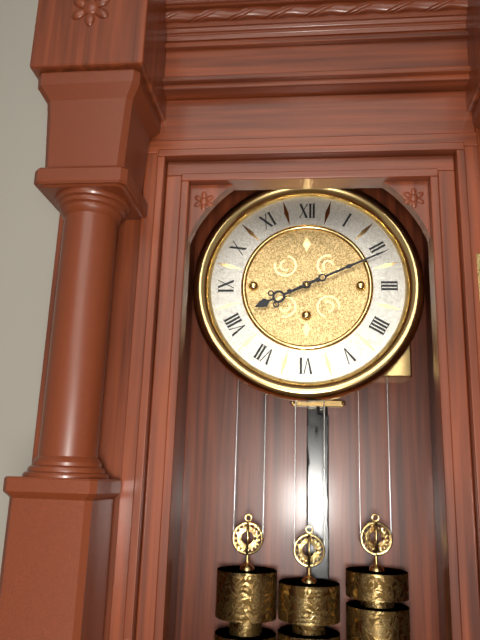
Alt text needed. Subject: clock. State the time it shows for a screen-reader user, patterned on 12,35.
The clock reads 8,11
